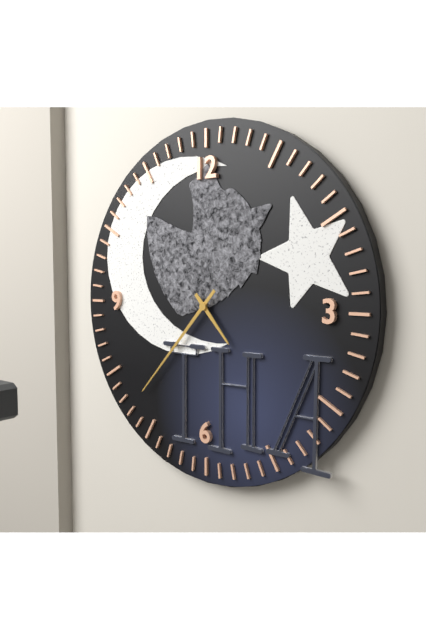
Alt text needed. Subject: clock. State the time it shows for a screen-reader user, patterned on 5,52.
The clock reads 4,37
